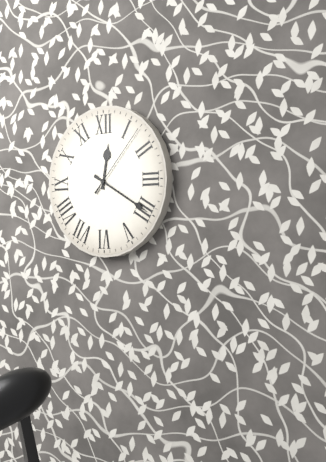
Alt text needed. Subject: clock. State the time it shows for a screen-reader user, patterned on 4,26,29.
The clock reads 12,20,07
